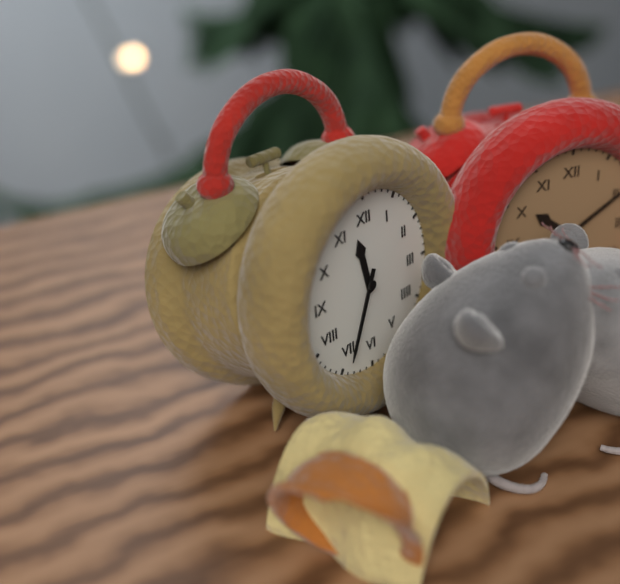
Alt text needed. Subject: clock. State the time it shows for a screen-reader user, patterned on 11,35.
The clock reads 11,34
